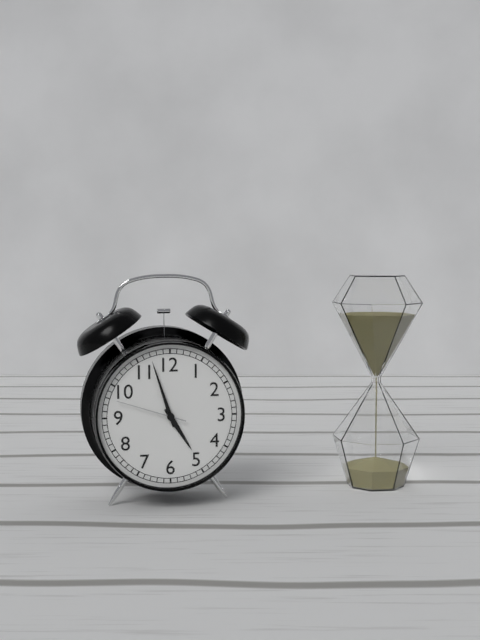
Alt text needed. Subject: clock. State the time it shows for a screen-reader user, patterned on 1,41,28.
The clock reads 4,57,48
